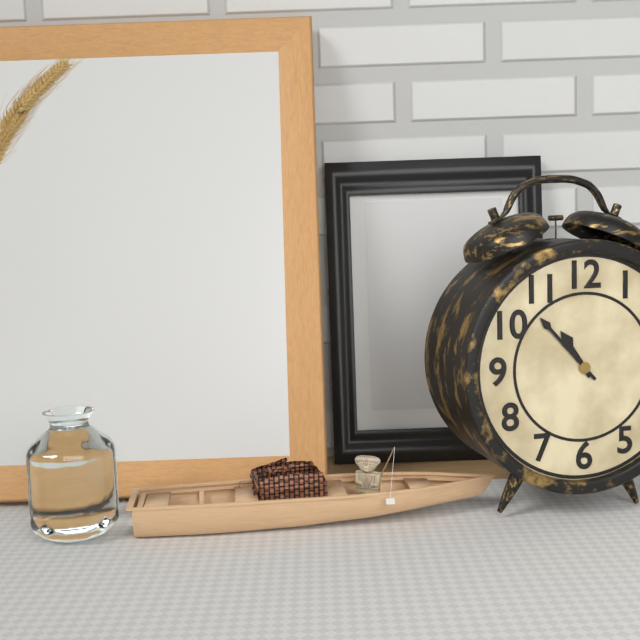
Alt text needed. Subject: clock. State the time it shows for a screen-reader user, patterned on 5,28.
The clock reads 10,53
